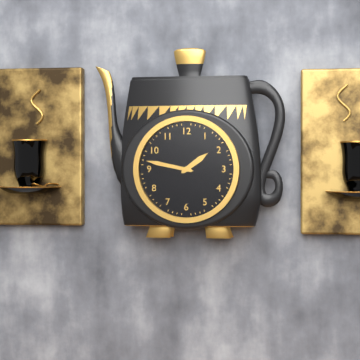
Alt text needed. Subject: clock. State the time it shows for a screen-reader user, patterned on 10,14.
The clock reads 1,47
